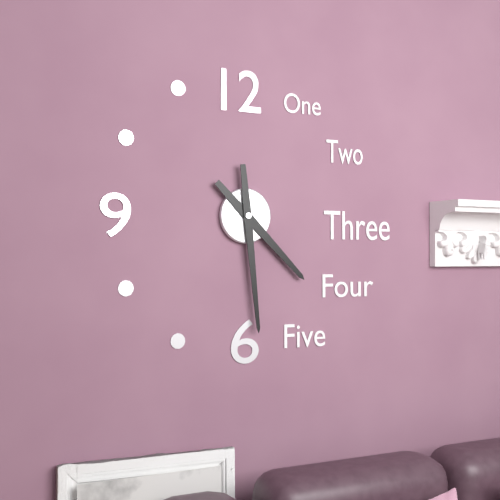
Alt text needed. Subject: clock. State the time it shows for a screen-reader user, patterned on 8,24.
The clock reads 4,29
